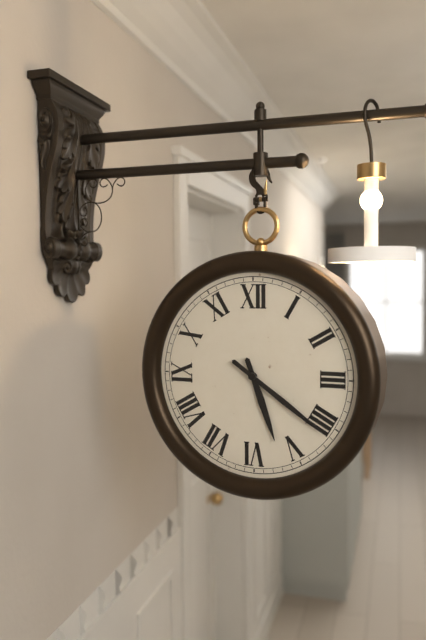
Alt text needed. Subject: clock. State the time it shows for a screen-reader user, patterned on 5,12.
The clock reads 5,21
